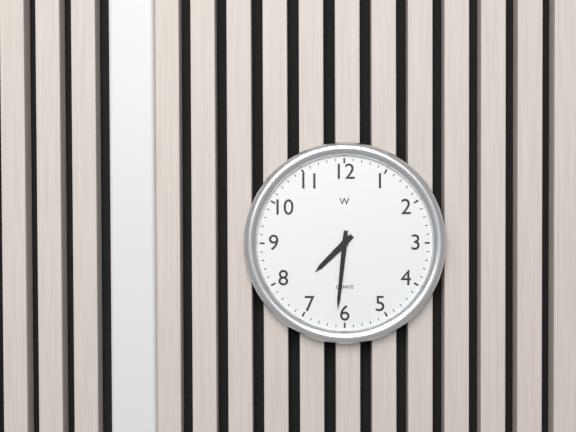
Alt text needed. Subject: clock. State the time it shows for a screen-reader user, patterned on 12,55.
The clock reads 7,31
